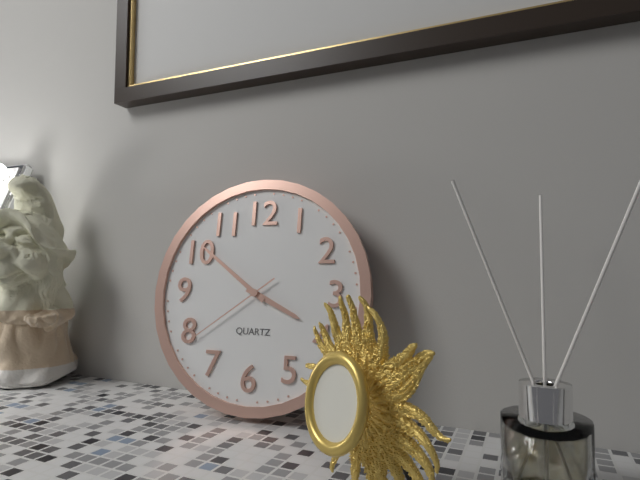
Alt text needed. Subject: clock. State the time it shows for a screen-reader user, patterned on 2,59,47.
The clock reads 3,51,39
